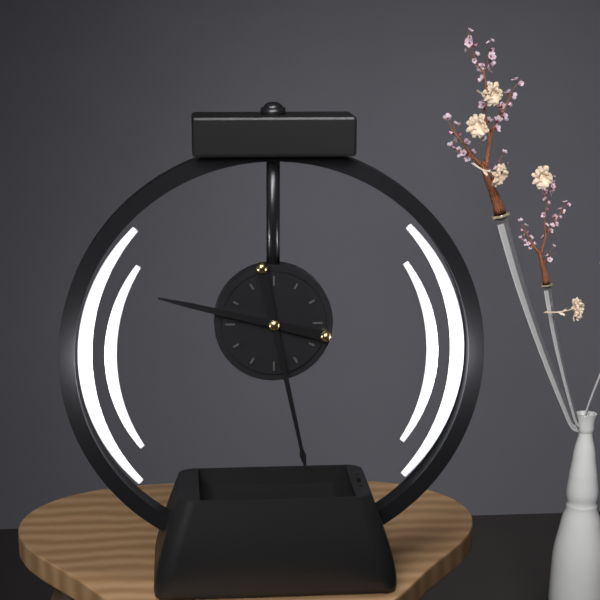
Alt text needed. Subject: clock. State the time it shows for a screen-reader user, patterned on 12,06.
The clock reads 9,28
